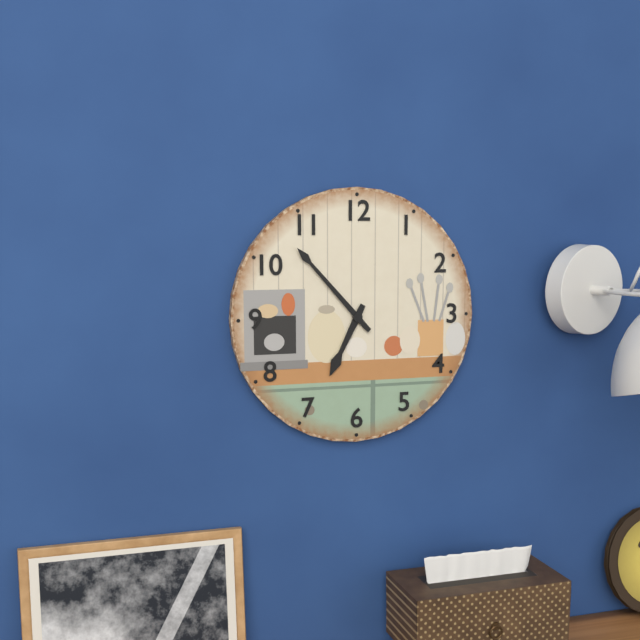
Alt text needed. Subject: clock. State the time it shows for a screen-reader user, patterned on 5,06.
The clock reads 6,53
